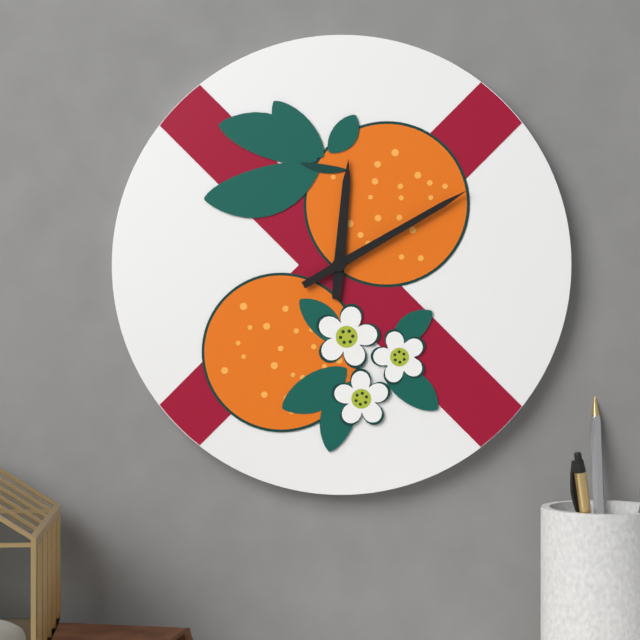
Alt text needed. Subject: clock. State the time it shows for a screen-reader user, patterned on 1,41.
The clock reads 12,10
